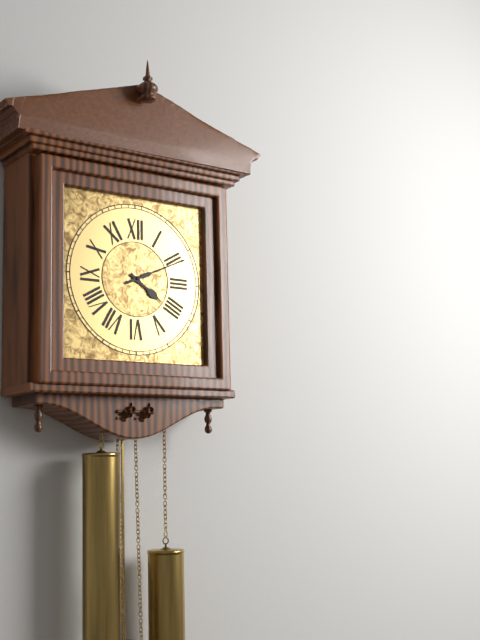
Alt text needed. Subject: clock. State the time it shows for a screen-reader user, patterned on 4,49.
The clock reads 4,11
